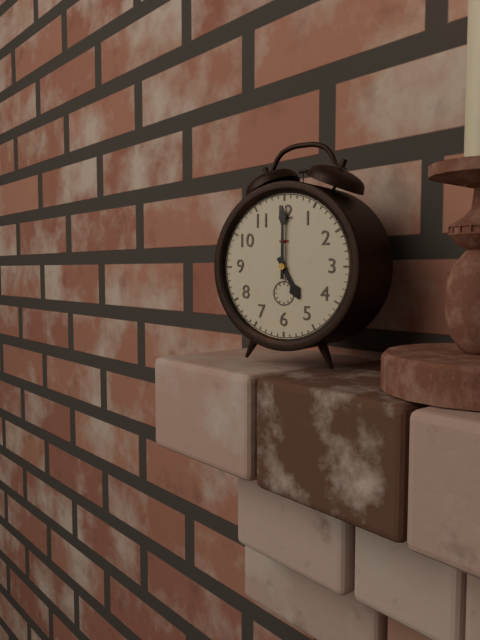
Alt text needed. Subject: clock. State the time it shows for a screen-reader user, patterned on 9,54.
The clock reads 5,00
